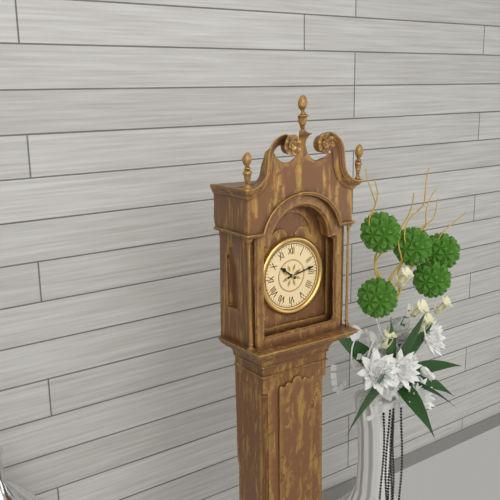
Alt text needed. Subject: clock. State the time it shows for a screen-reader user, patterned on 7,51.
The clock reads 10,13
